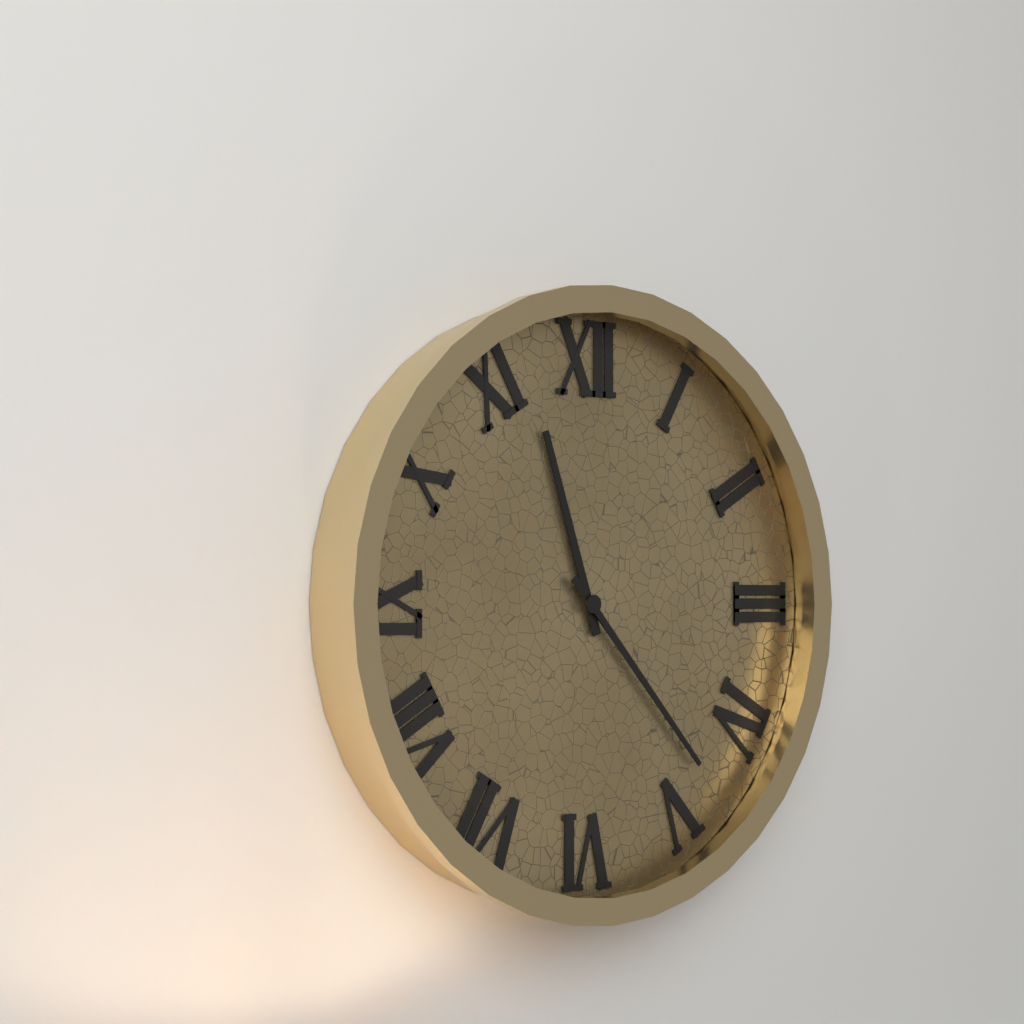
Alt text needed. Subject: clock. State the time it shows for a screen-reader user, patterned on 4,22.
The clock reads 11,23
